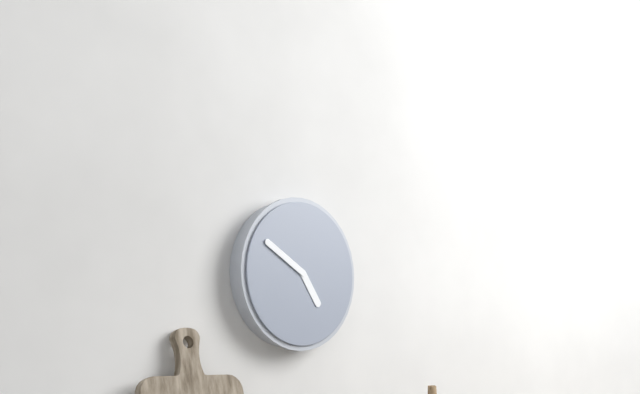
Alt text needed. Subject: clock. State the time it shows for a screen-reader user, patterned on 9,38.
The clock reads 4,50
